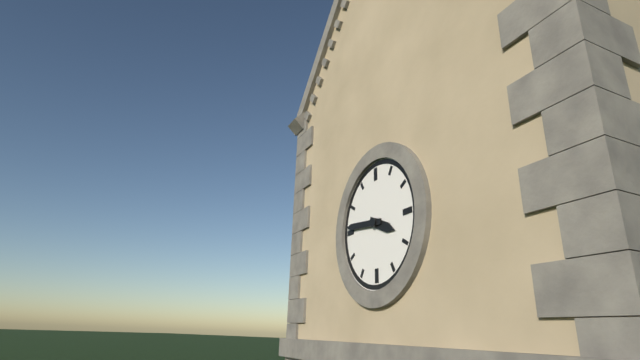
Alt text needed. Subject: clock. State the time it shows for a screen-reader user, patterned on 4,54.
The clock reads 3,46
